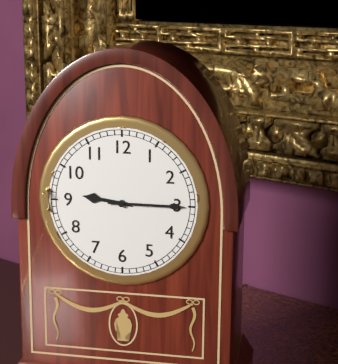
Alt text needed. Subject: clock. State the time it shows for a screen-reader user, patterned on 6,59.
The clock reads 9,15
